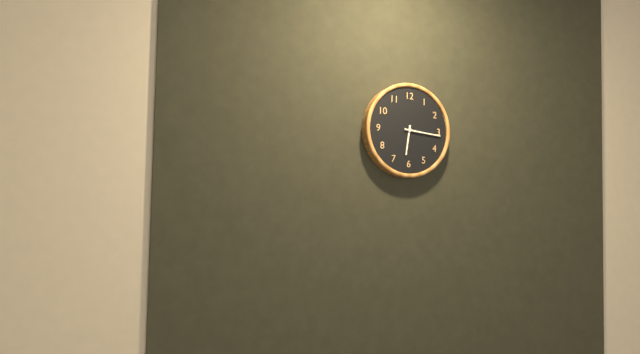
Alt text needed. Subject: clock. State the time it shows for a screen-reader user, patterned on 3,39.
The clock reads 6,16
